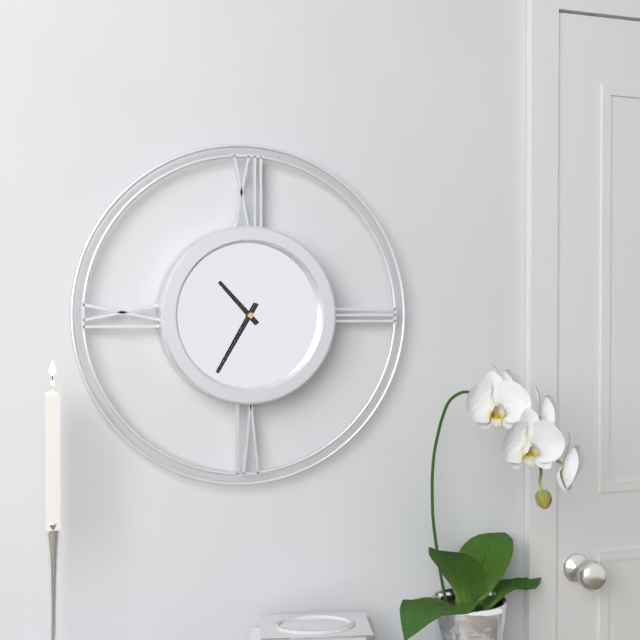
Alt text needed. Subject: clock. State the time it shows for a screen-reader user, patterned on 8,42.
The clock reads 10,35
